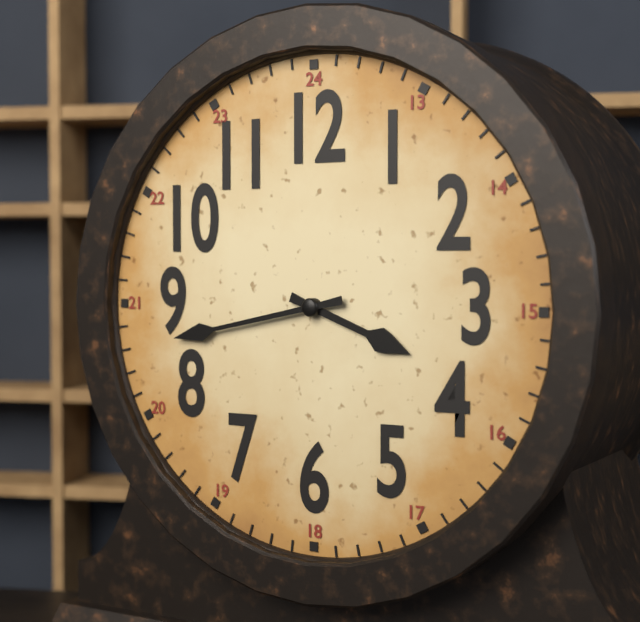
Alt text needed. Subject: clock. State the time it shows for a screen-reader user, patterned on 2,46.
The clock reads 3,43
